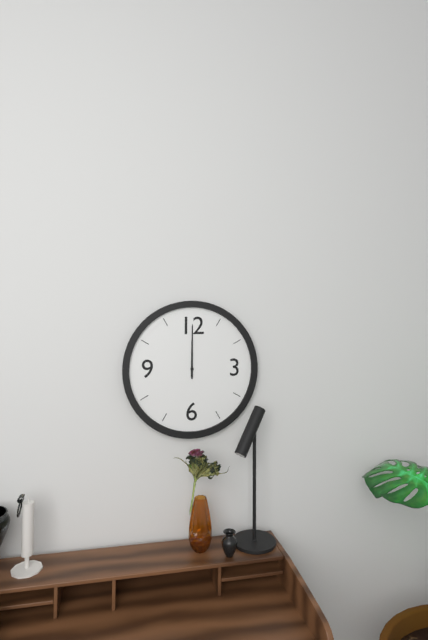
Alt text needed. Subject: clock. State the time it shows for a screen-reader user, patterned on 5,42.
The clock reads 12,00
